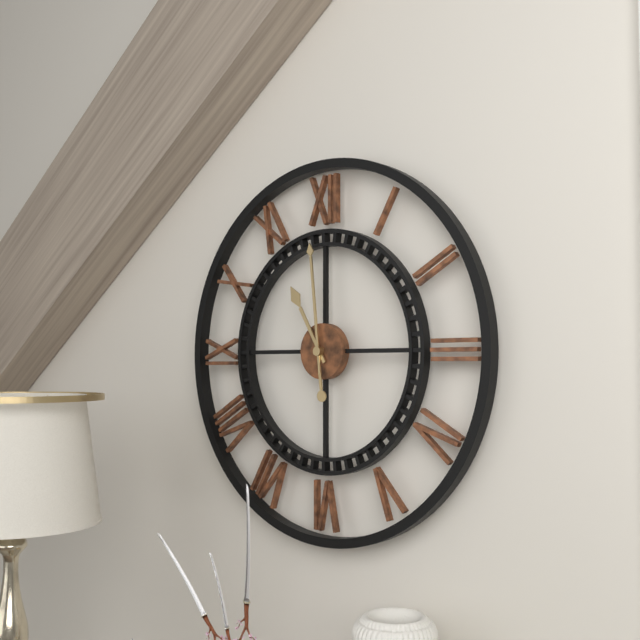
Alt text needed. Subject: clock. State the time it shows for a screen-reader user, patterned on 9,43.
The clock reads 10,59
